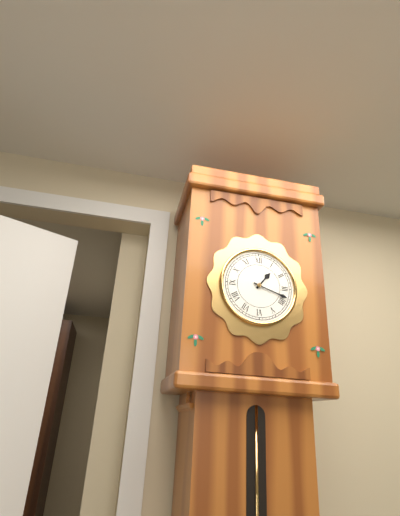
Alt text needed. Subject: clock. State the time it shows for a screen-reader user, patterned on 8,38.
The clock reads 1,18
